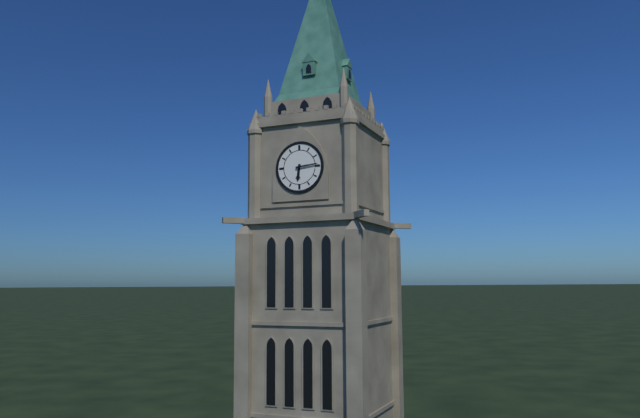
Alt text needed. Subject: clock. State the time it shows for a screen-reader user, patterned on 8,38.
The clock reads 6,14
